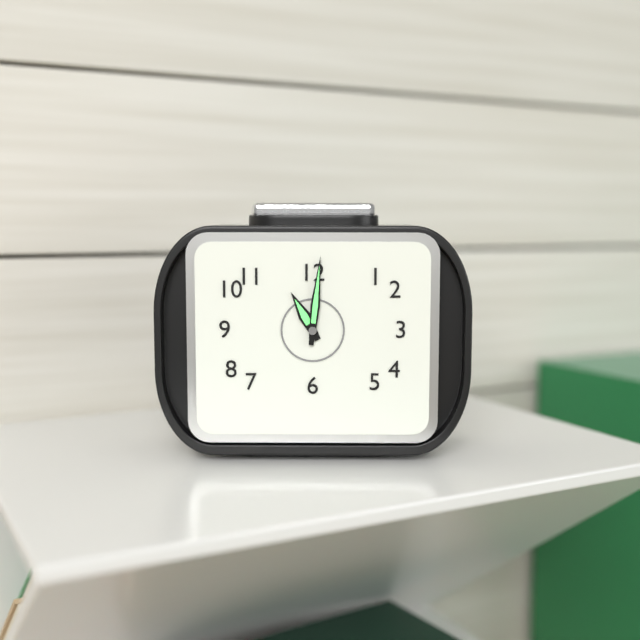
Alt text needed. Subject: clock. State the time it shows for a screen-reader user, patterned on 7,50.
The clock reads 11,01
